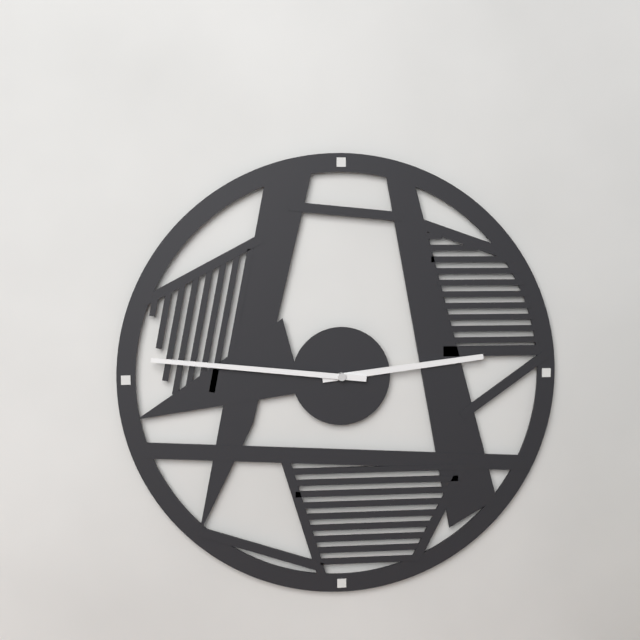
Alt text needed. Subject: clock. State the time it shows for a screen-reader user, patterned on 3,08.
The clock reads 2,46
